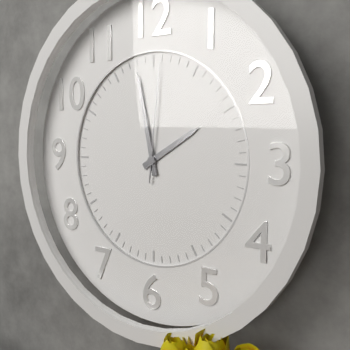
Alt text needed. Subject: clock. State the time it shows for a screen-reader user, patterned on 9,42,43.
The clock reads 1,58,01
